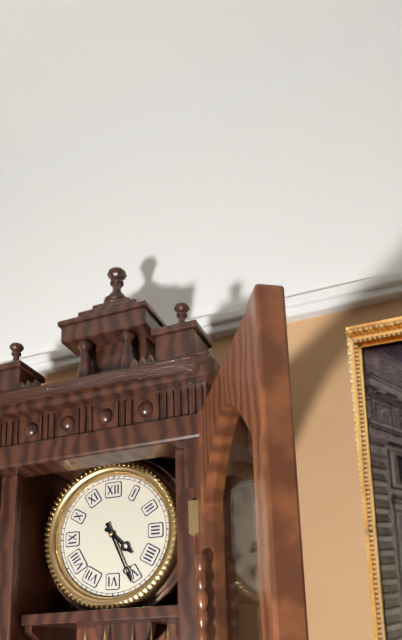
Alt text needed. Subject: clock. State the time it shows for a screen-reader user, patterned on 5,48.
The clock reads 4,26
